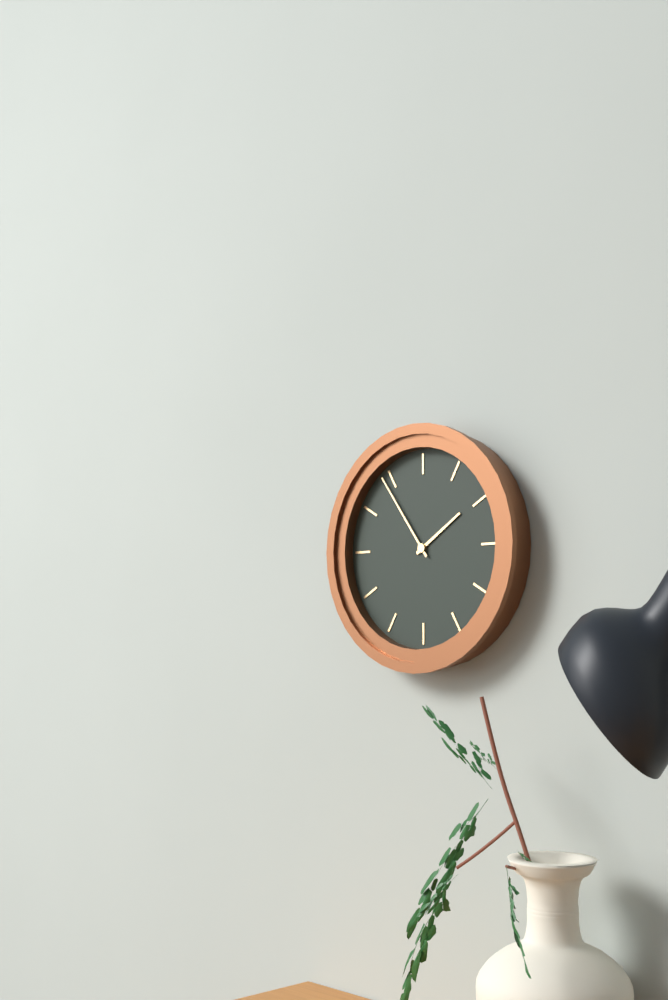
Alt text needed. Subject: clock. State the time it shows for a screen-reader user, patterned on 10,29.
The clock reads 1,54
